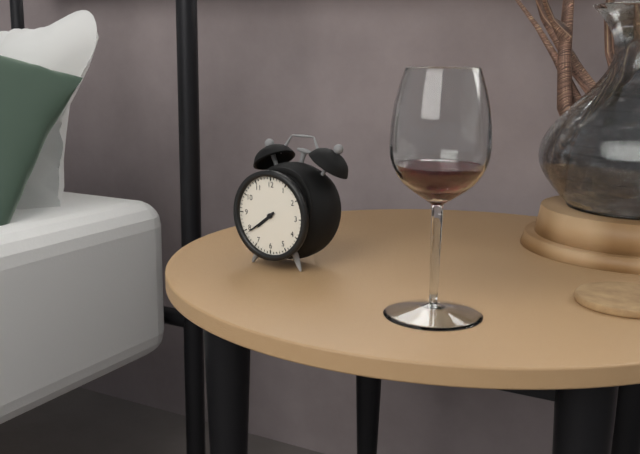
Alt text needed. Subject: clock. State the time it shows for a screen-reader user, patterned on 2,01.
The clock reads 7,39
